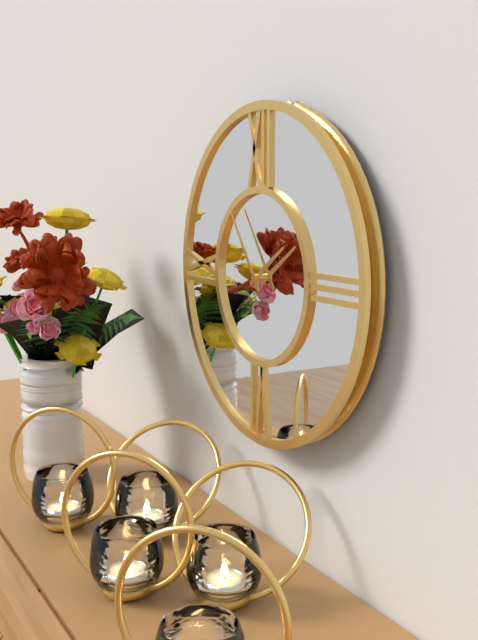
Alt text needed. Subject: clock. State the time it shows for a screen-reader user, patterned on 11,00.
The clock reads 1,54
